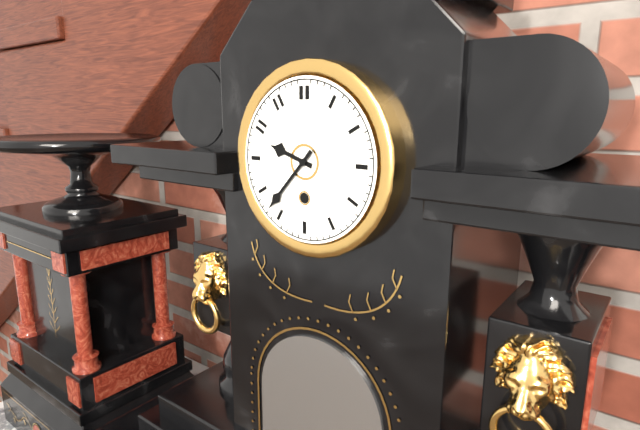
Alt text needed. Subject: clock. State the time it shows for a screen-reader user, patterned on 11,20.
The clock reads 9,37
